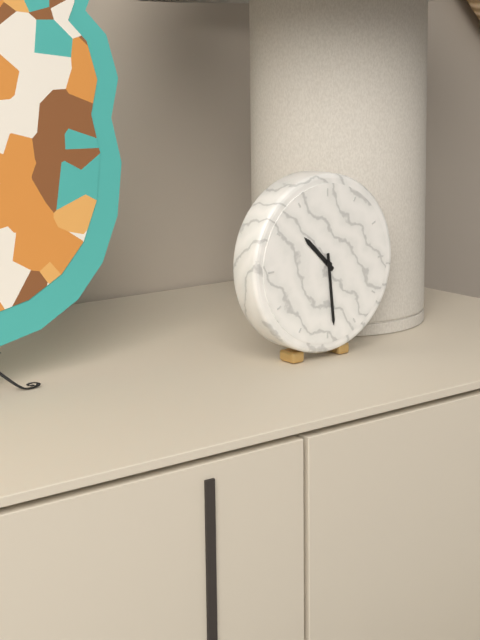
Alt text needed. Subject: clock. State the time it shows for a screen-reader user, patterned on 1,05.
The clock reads 10,29
